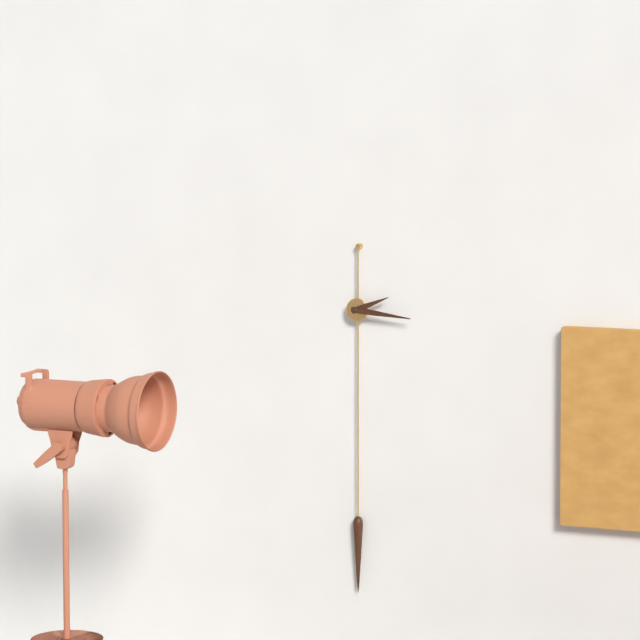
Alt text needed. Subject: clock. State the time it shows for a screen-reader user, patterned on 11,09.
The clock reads 2,16
